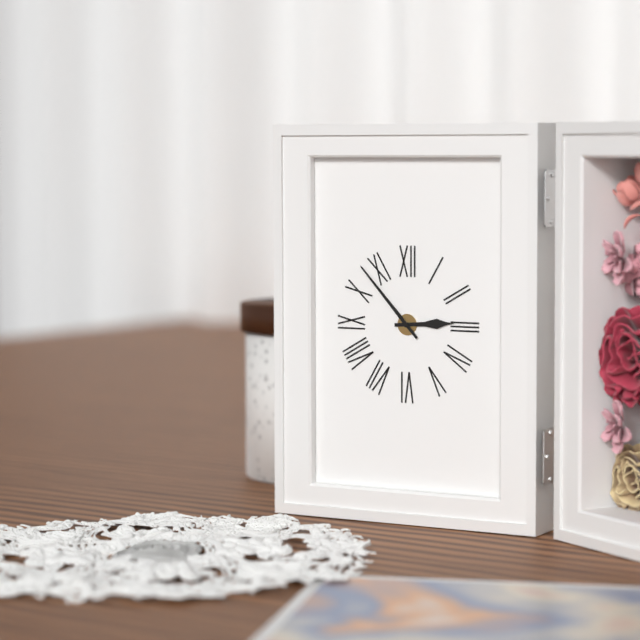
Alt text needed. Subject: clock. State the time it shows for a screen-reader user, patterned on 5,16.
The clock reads 2,53
